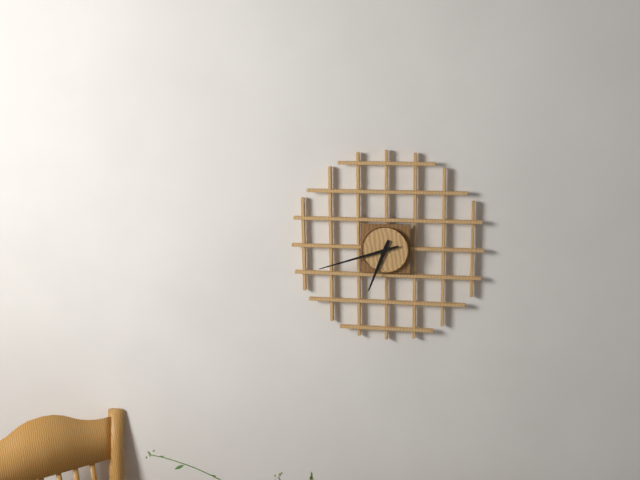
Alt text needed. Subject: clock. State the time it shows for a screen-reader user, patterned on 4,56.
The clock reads 6,42
